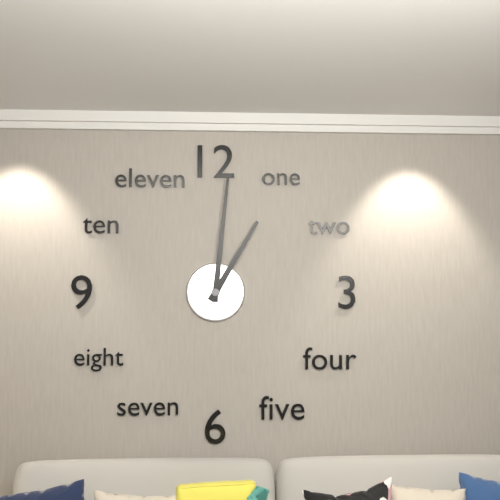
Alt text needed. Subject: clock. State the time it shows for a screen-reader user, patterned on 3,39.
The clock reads 1,01
